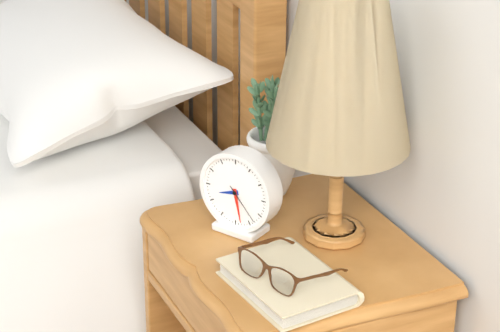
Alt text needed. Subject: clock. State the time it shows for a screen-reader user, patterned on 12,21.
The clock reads 8,28
